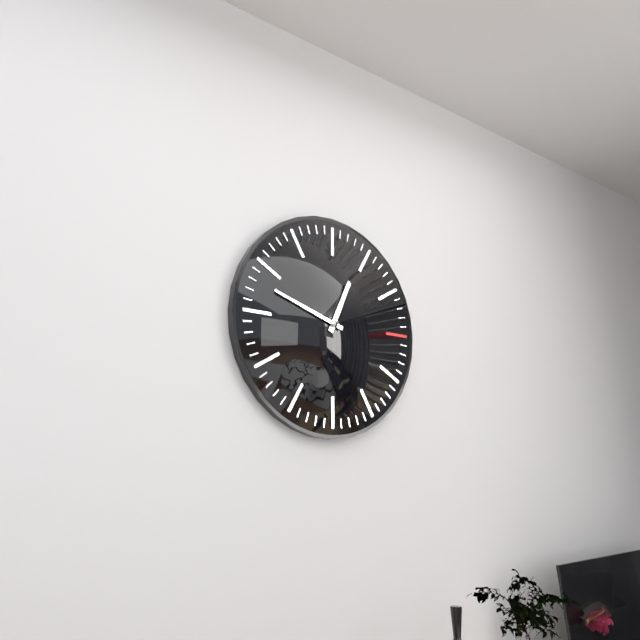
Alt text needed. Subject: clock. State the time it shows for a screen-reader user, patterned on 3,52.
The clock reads 12,48
